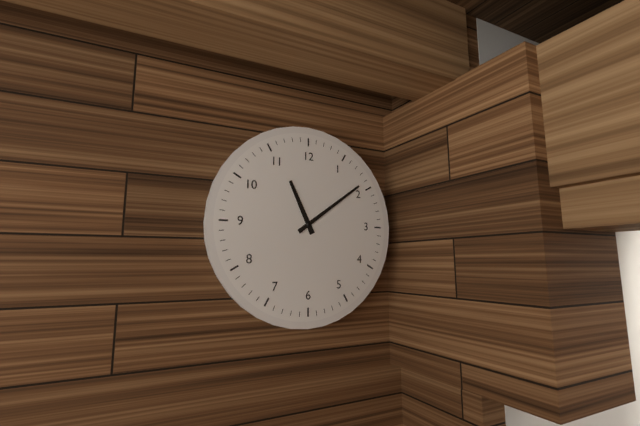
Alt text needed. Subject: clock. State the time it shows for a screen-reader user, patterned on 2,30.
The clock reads 11,09
